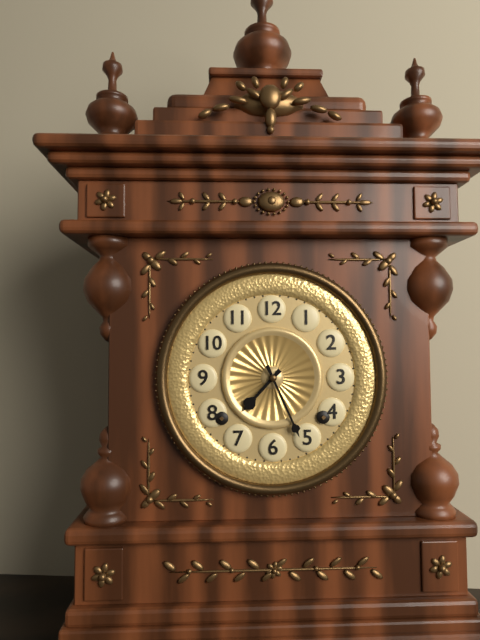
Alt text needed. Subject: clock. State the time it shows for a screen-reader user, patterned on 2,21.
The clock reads 7,26
